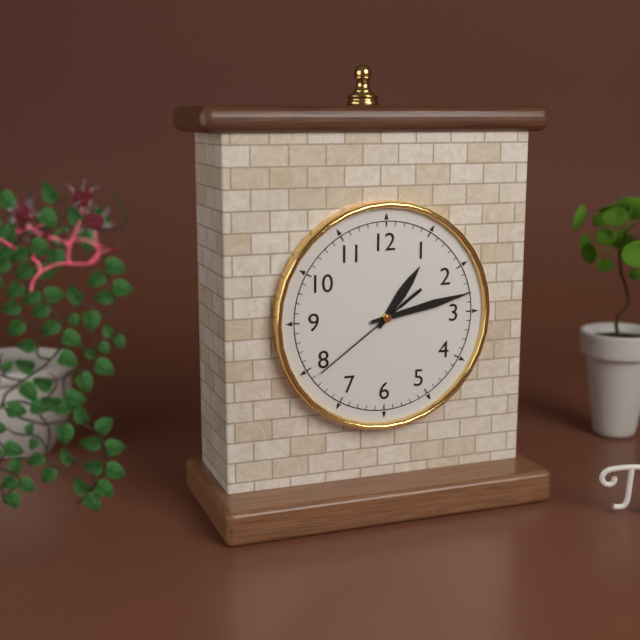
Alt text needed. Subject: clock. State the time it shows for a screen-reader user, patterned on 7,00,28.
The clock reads 1,13,39
